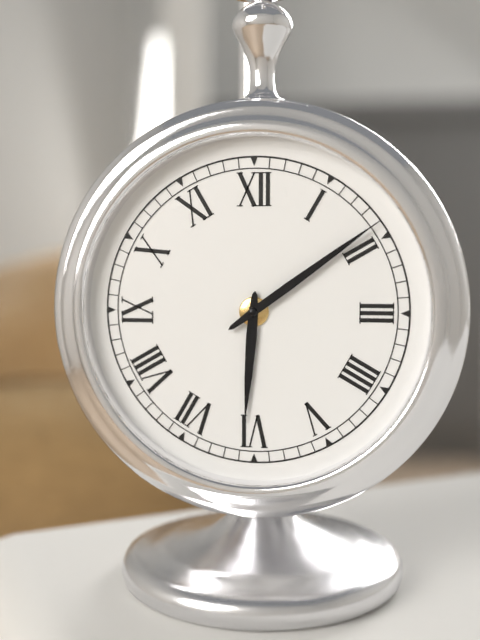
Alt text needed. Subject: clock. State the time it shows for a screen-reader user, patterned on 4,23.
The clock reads 6,09
